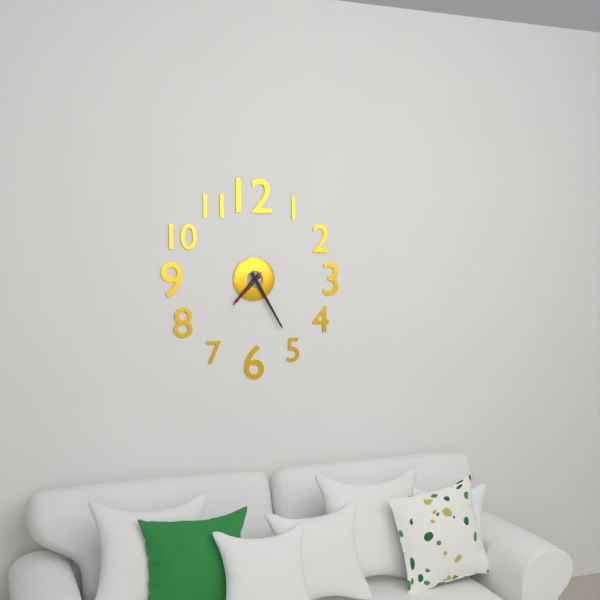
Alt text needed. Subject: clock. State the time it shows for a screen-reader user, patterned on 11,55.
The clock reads 7,25
